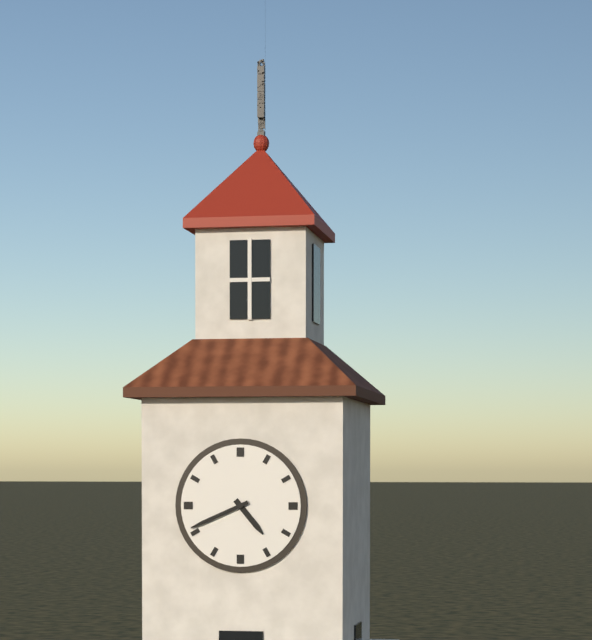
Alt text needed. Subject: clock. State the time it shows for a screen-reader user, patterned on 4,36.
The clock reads 4,41
